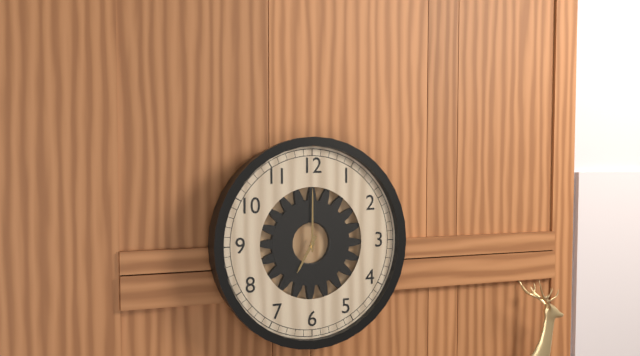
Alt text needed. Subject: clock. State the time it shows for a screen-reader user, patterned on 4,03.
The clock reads 7,00
